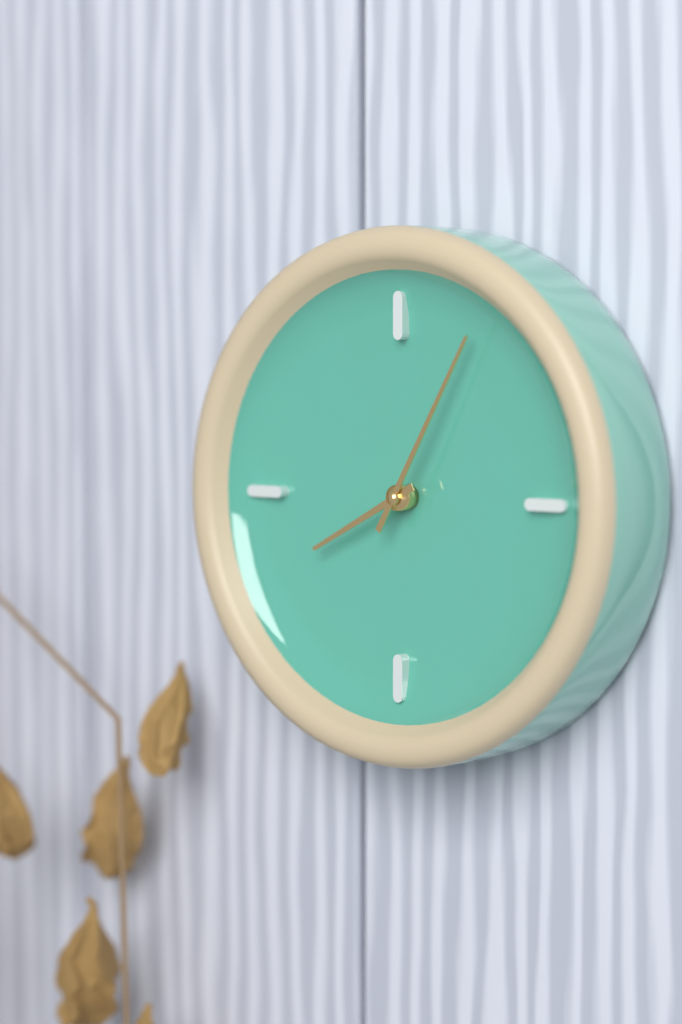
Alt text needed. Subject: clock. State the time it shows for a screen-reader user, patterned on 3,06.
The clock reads 8,05
